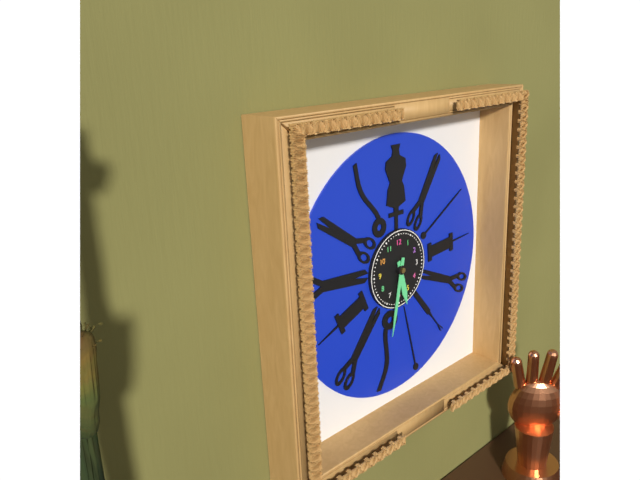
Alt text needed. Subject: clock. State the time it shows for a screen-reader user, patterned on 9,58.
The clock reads 5,32
